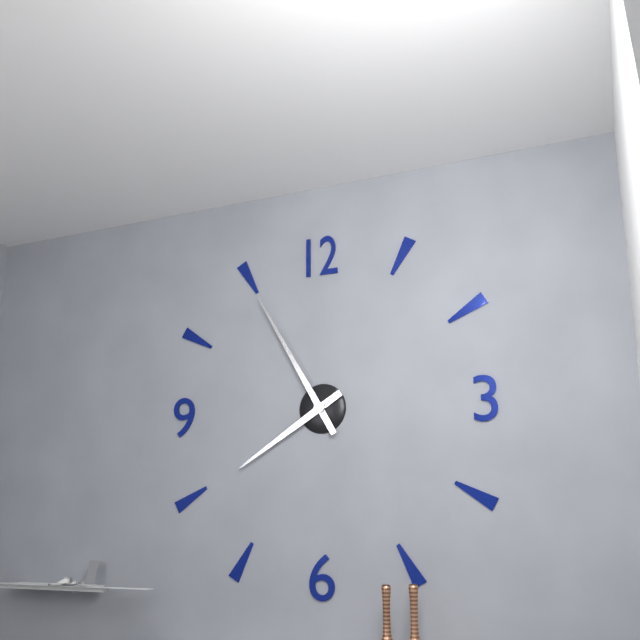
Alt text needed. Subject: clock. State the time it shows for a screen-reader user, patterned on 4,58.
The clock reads 7,55
